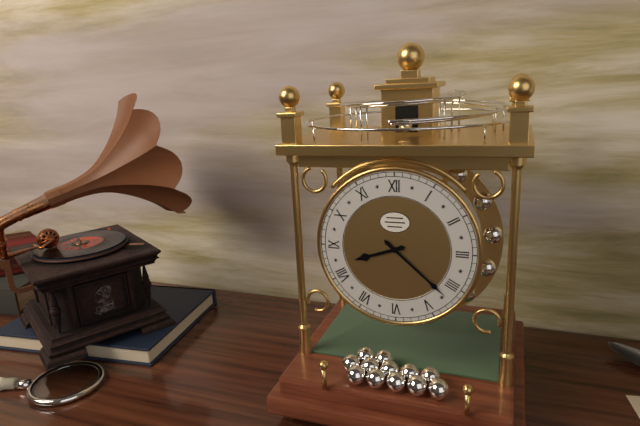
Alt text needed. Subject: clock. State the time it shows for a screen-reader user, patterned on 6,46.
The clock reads 8,22
